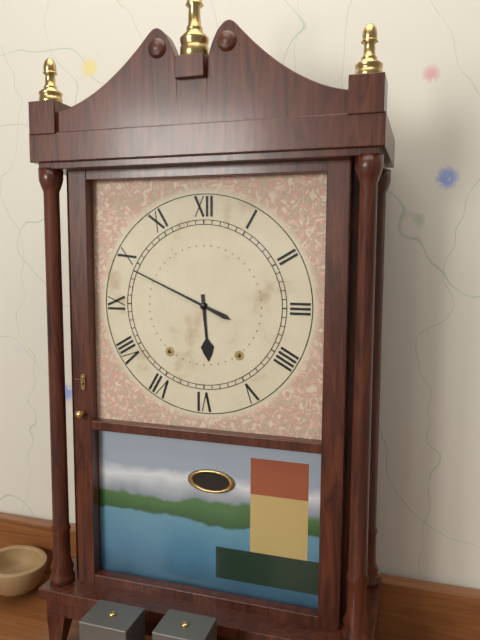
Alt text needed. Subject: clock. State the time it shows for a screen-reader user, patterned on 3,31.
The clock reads 5,49
